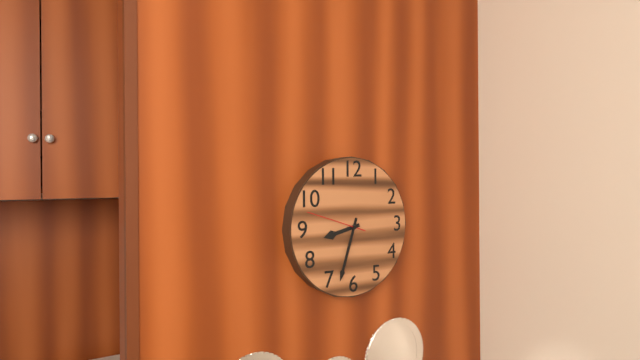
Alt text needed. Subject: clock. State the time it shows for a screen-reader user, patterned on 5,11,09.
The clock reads 8,33,48
